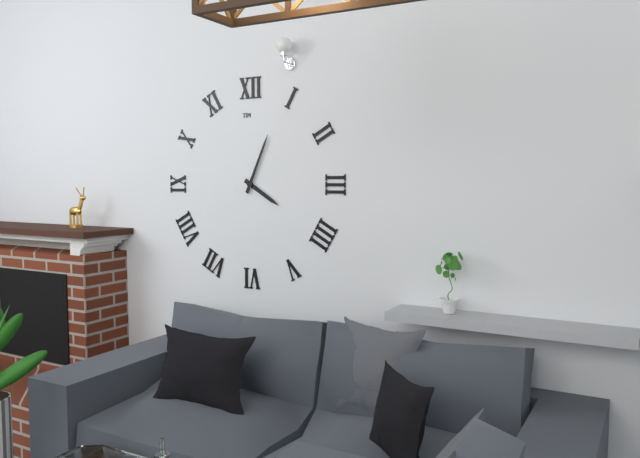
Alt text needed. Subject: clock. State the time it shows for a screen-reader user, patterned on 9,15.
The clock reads 4,04
